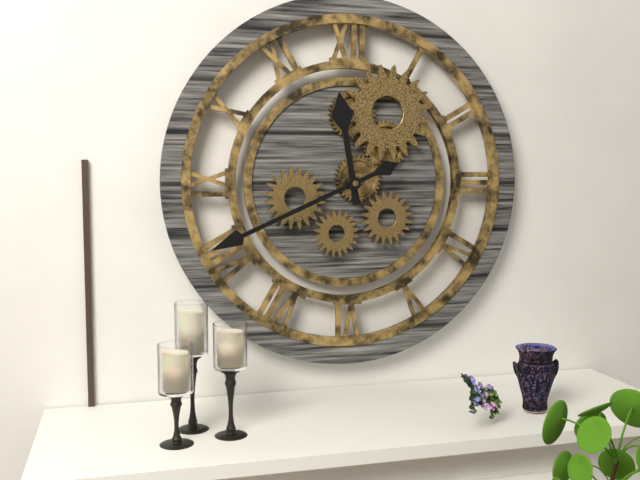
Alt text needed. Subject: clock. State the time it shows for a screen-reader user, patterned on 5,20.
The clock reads 11,41
